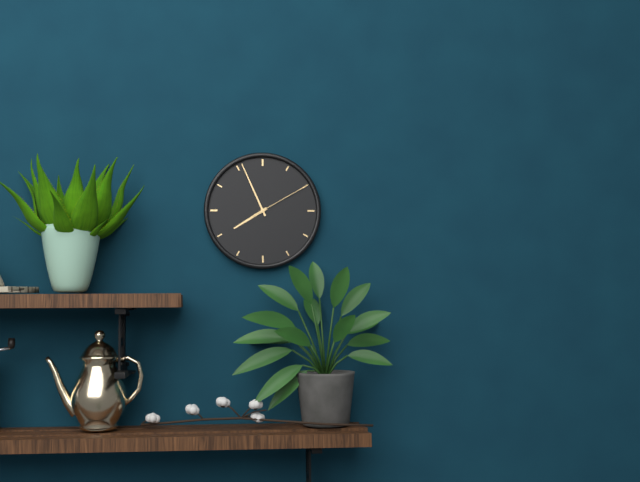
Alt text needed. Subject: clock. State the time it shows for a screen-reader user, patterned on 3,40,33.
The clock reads 7,56,10
